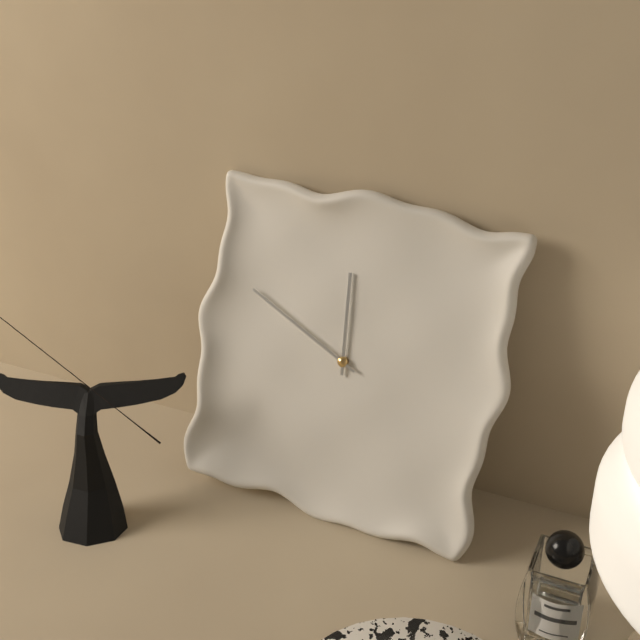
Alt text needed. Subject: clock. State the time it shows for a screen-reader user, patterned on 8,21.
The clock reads 11,49
